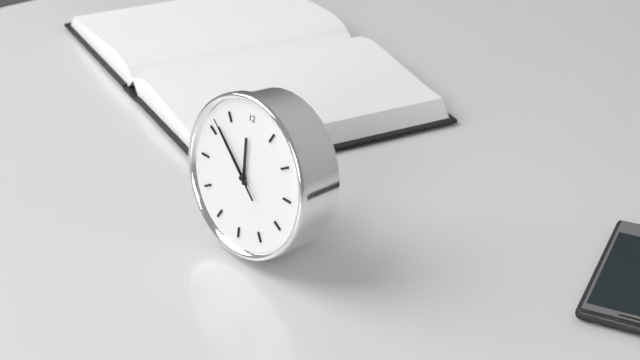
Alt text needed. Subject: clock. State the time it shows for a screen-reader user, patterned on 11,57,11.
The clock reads 11,52,52
